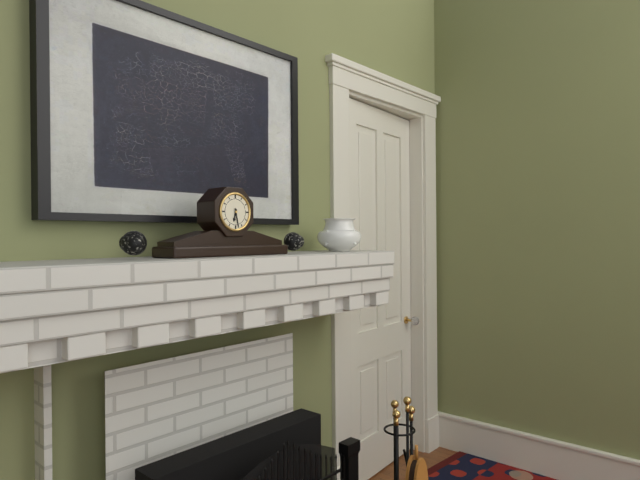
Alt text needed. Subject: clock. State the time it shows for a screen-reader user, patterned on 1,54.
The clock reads 6,28
